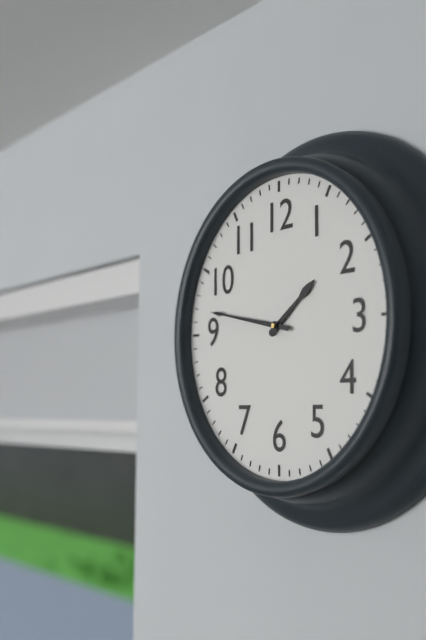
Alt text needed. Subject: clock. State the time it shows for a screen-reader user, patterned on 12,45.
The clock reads 1,47
